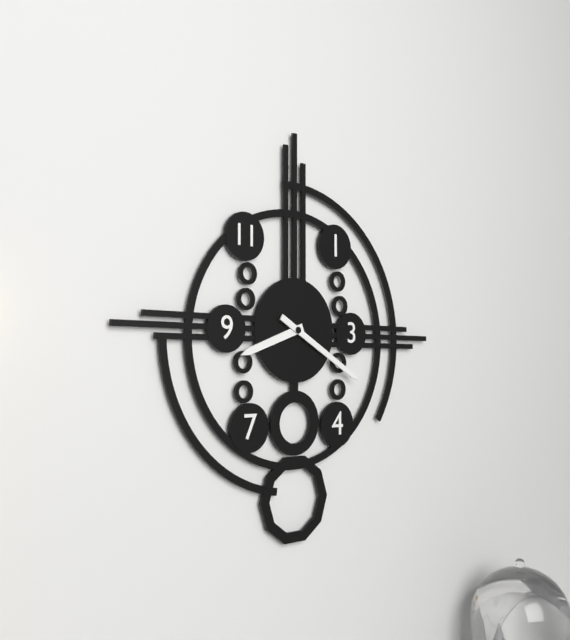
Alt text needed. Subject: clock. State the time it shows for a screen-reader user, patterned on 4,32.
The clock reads 8,20
